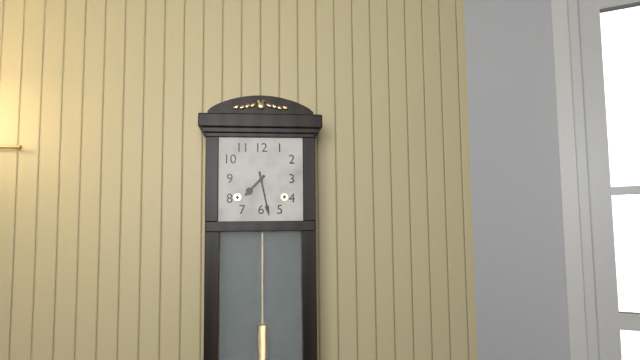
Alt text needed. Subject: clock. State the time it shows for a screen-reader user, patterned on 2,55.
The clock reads 7,28
